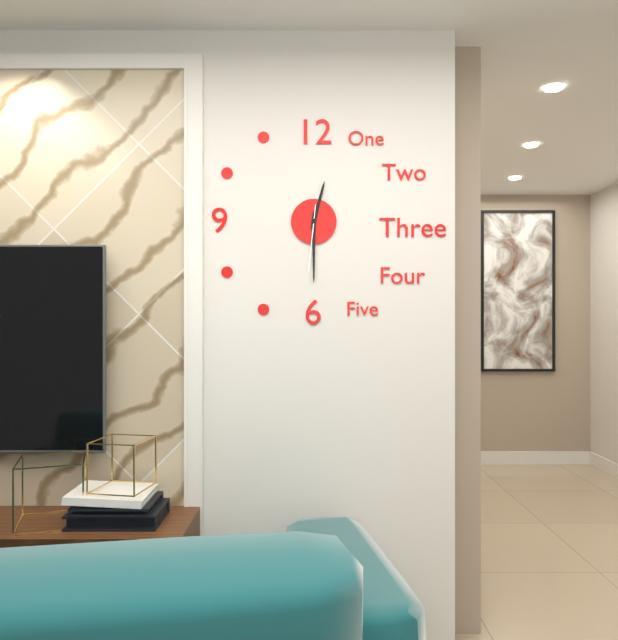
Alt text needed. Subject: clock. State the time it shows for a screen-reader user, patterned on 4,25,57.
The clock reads 12,30,31
